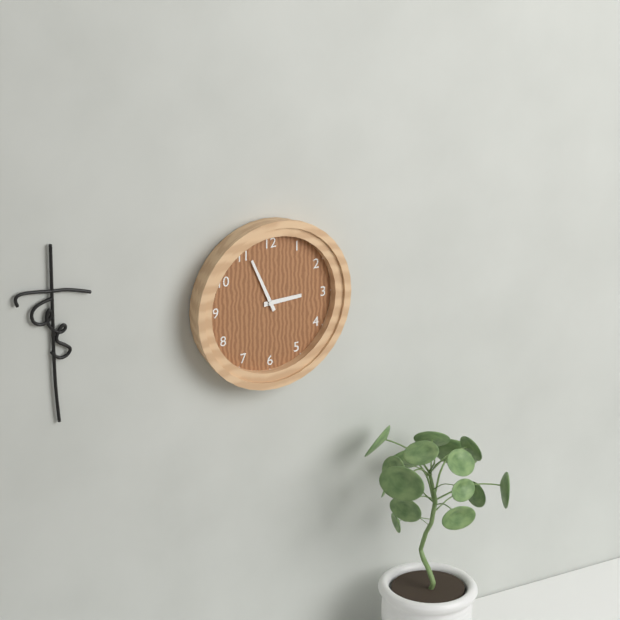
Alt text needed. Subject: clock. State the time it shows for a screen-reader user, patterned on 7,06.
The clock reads 2,56
